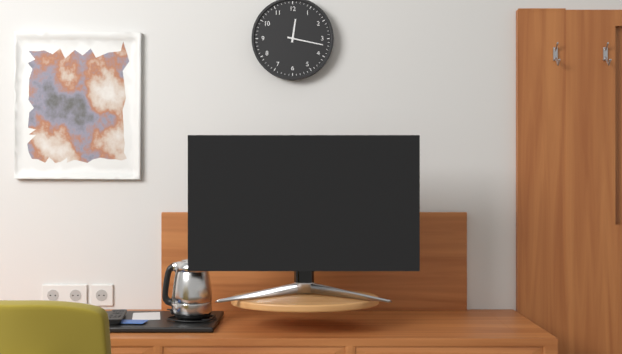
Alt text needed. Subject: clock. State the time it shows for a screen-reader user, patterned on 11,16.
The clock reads 12,17
